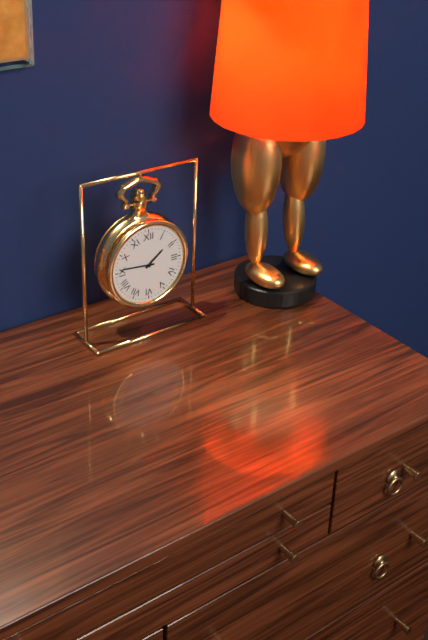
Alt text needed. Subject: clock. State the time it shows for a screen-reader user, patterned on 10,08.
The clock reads 1,46
